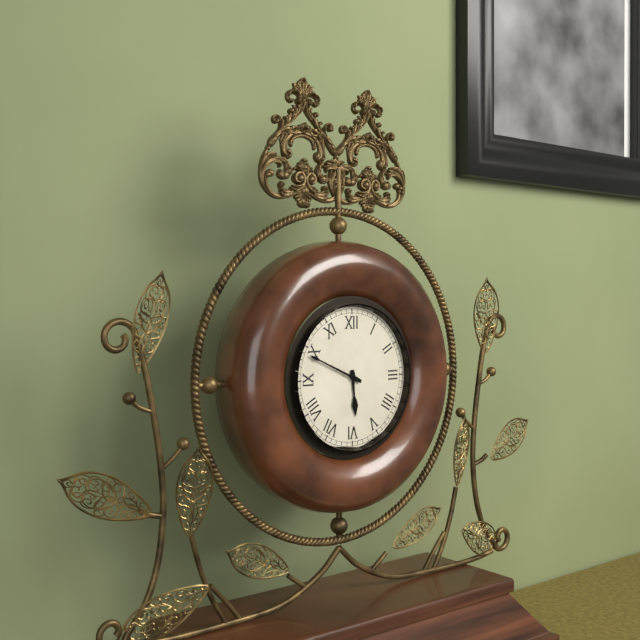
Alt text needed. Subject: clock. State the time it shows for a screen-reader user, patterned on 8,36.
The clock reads 5,49
